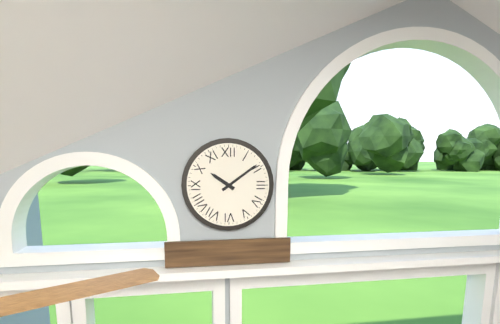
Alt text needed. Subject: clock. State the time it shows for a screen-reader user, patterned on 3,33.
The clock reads 10,09
